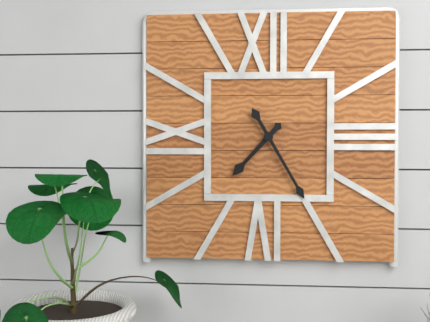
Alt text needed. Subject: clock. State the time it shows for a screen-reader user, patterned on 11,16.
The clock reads 7,25
